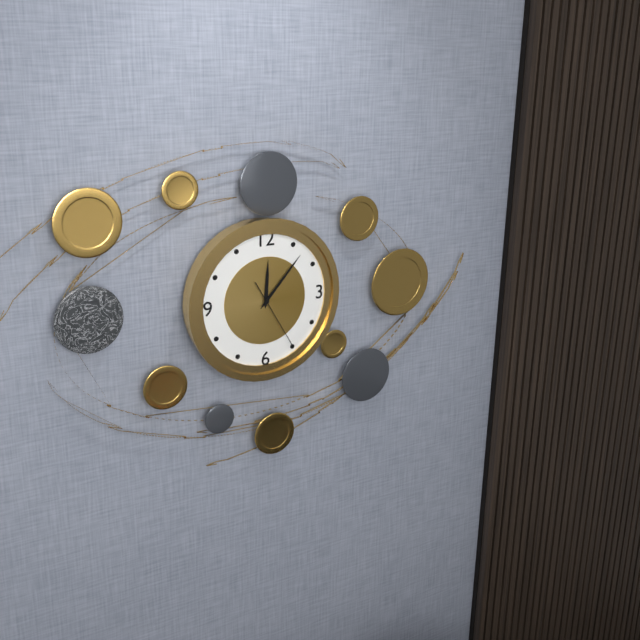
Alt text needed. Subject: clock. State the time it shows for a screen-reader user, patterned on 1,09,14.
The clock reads 12,07,25
